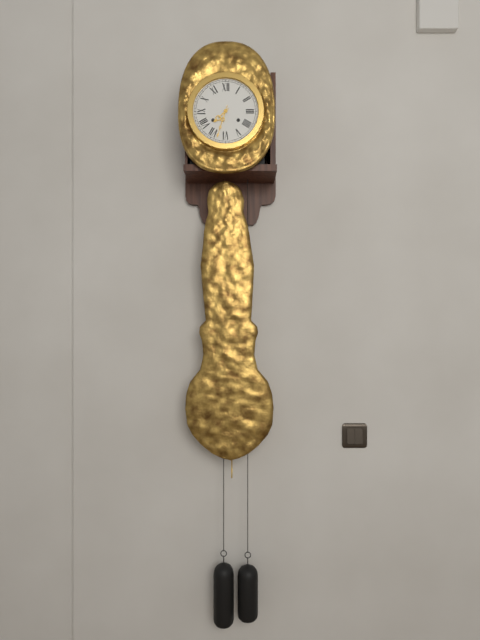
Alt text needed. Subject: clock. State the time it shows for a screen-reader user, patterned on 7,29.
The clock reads 7,33
